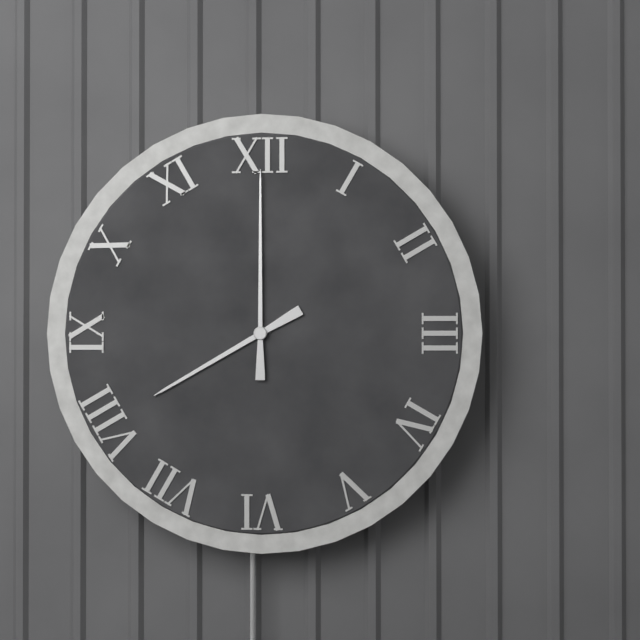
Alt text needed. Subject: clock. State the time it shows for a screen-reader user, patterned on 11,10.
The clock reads 8,00
